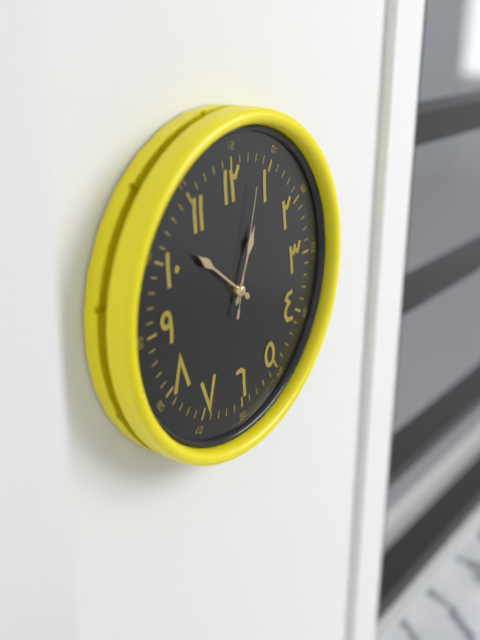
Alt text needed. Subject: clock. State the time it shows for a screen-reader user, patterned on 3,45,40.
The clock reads 12,52,03
